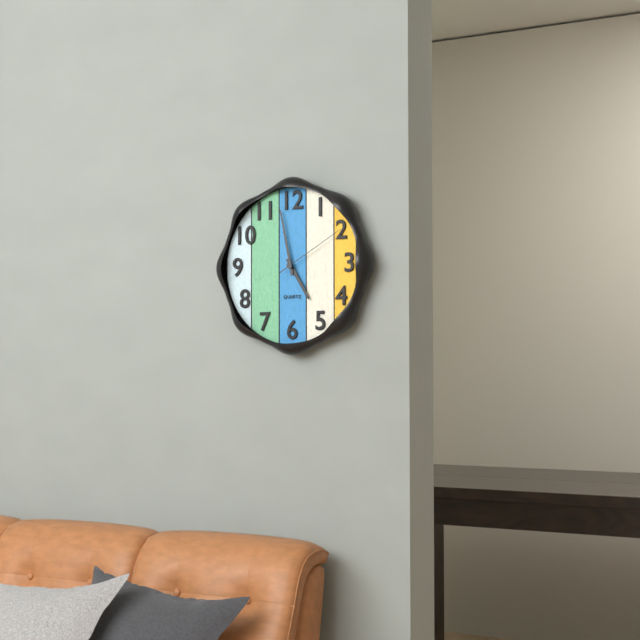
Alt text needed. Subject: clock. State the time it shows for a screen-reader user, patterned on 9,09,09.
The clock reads 4,58,10
